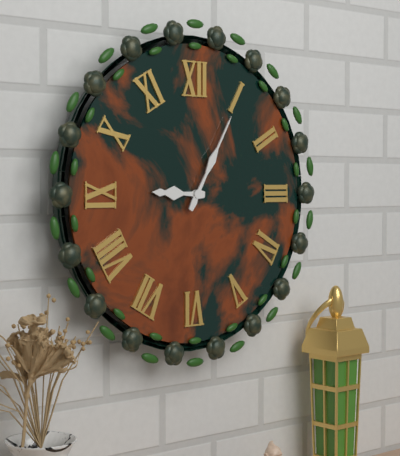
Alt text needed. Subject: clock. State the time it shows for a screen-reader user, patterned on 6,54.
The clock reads 9,05
